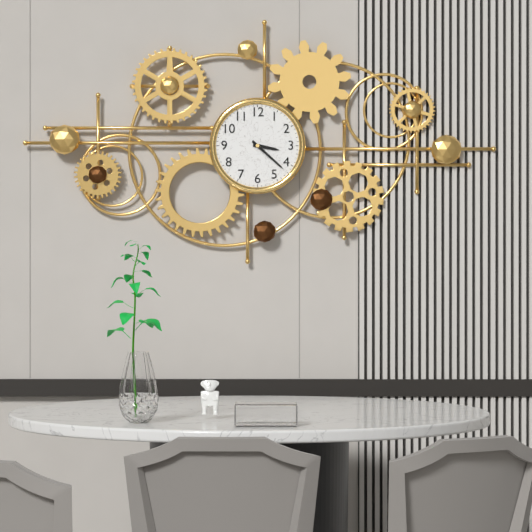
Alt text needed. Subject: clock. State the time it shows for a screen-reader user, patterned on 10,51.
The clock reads 3,22
